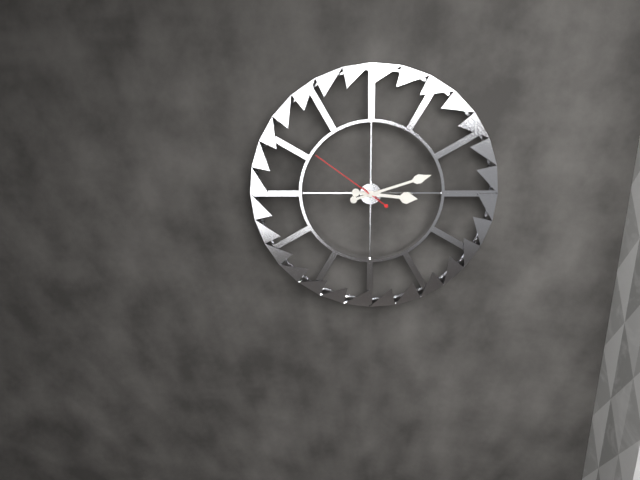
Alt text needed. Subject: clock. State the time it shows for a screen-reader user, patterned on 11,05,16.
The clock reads 3,12,51
